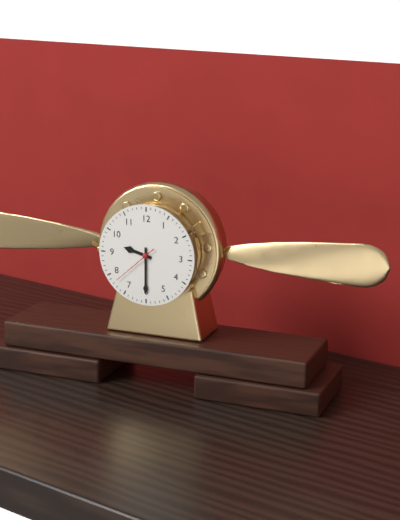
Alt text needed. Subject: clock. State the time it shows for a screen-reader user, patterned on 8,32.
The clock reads 9,30
